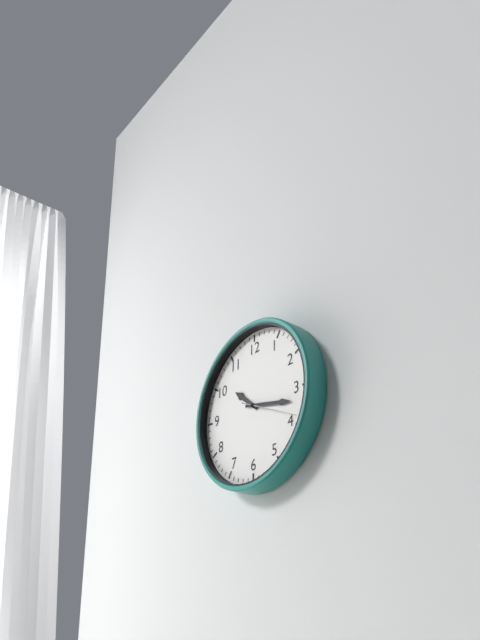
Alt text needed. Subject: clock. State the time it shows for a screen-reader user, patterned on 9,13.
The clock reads 10,17
